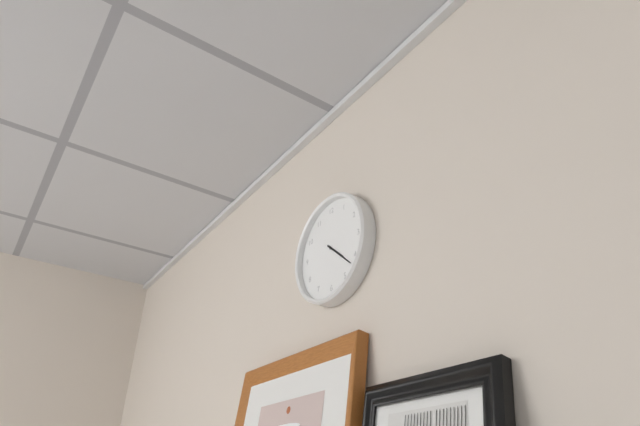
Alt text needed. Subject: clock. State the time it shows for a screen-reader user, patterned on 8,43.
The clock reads 4,22
